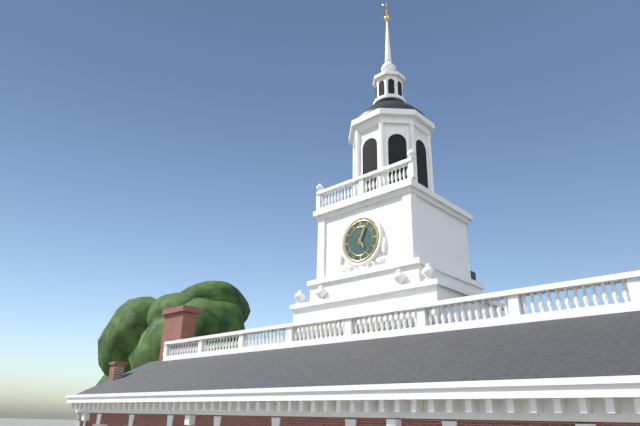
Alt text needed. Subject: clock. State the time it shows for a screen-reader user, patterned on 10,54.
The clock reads 5,04
